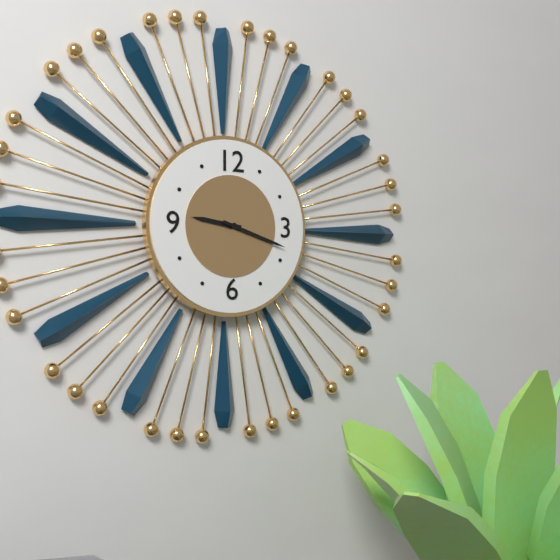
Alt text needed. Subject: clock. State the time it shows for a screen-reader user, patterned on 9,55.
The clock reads 9,18
